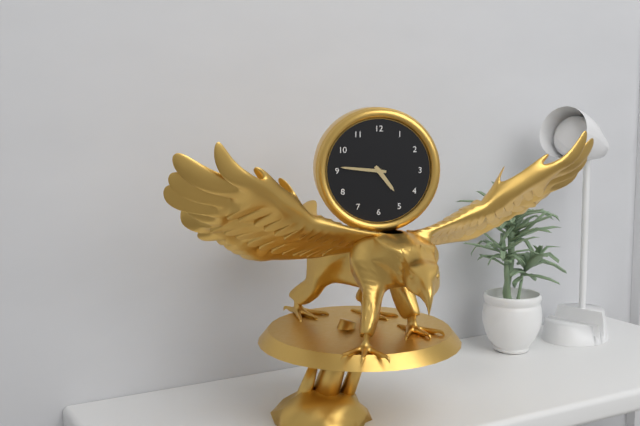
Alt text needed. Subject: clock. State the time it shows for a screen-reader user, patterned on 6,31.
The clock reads 4,46
